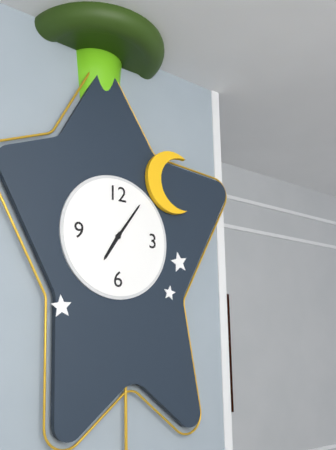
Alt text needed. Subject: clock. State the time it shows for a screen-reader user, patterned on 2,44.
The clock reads 7,06
